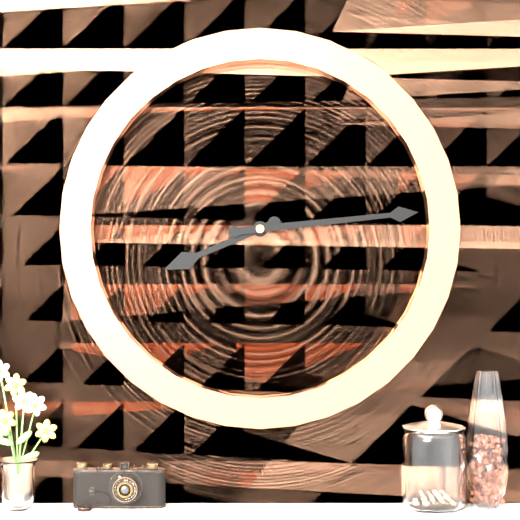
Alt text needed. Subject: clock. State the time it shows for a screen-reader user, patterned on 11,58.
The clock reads 8,14
